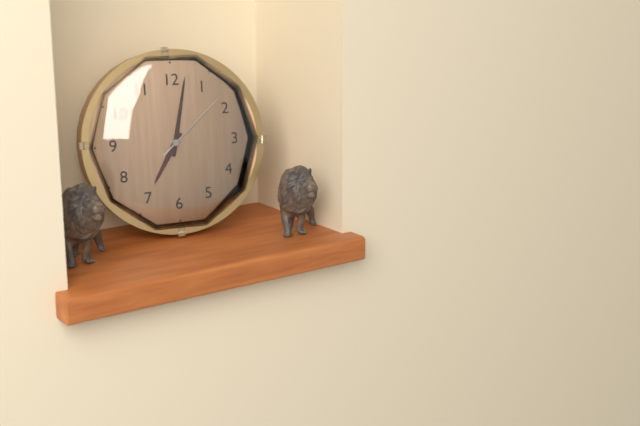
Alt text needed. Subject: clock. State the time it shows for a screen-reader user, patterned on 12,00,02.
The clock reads 7,02,08
